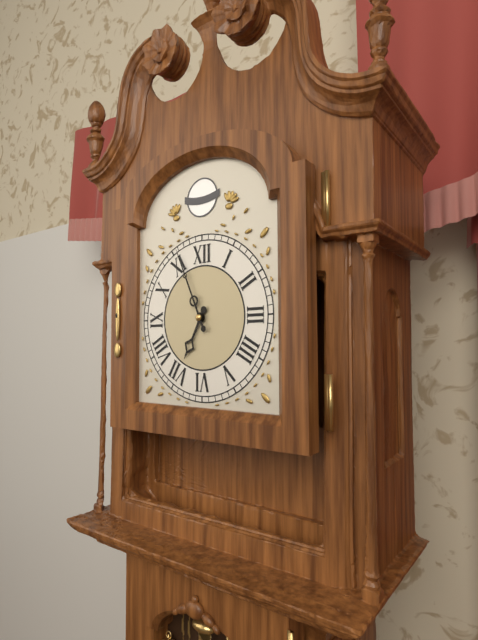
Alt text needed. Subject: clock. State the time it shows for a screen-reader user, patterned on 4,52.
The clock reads 6,56
